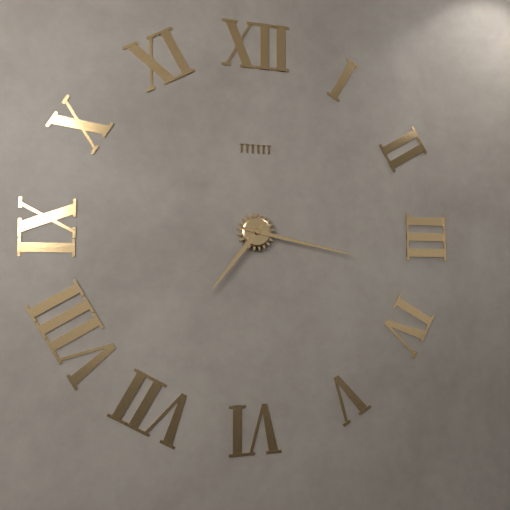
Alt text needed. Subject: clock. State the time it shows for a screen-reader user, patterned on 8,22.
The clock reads 7,17
